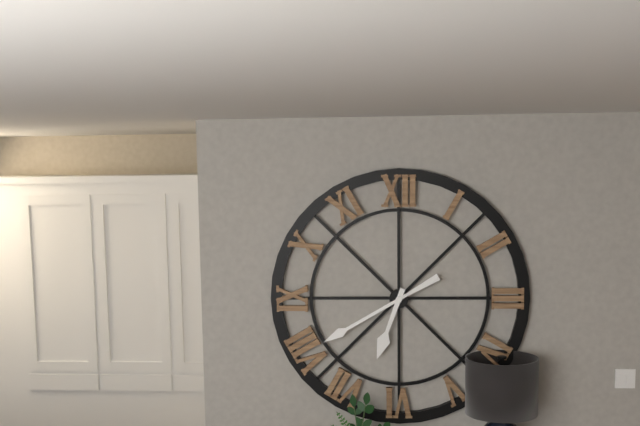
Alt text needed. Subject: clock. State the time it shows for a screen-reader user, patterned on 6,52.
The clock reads 6,40
